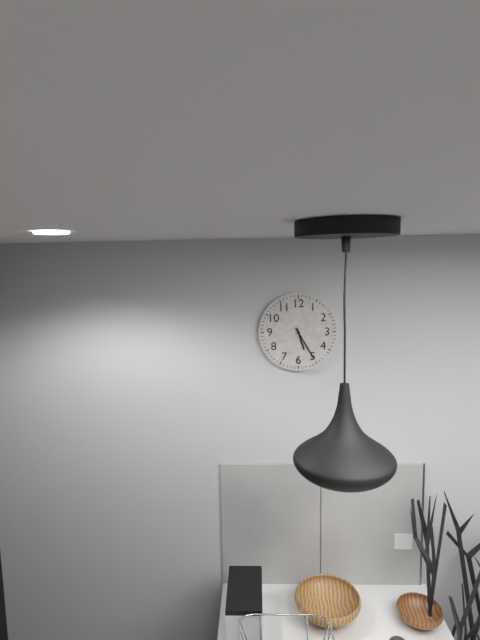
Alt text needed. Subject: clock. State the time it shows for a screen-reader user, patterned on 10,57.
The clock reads 5,25
